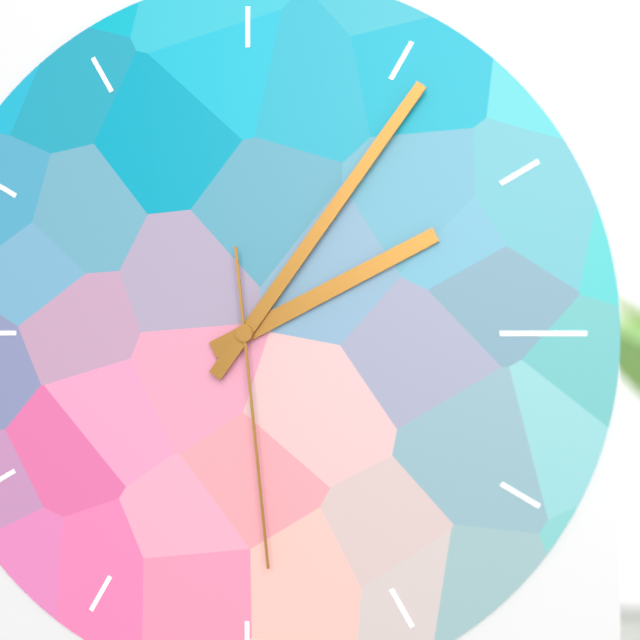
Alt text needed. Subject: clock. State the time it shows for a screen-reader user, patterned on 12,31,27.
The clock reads 2,06,29
